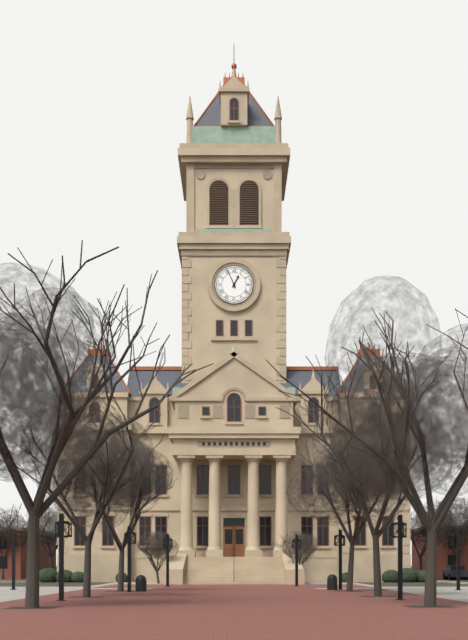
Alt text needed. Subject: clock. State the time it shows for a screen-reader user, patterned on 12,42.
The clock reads 12,56
